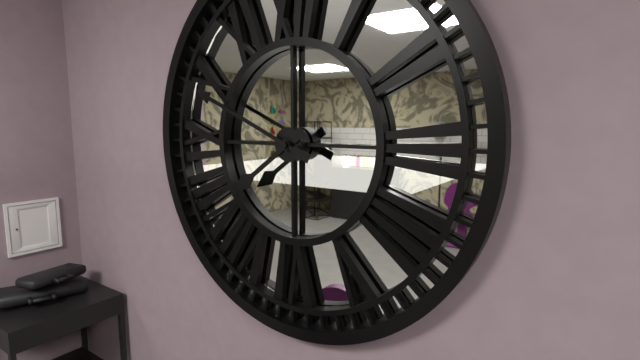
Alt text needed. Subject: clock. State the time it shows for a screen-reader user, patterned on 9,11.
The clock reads 7,49
